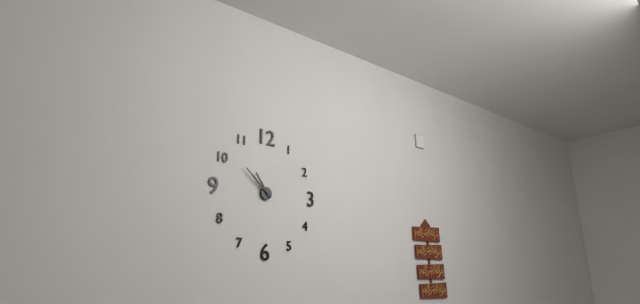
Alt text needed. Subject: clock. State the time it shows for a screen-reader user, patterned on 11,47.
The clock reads 10,52
